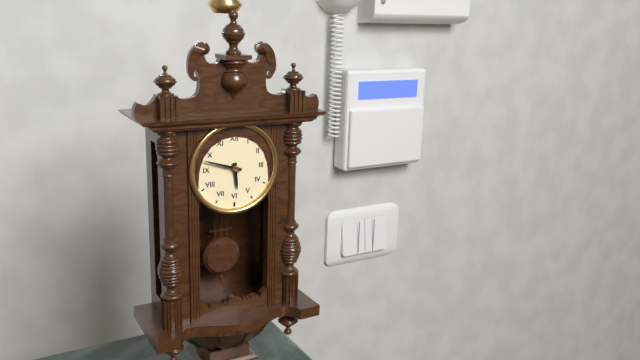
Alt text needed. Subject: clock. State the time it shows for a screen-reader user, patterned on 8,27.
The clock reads 5,48
